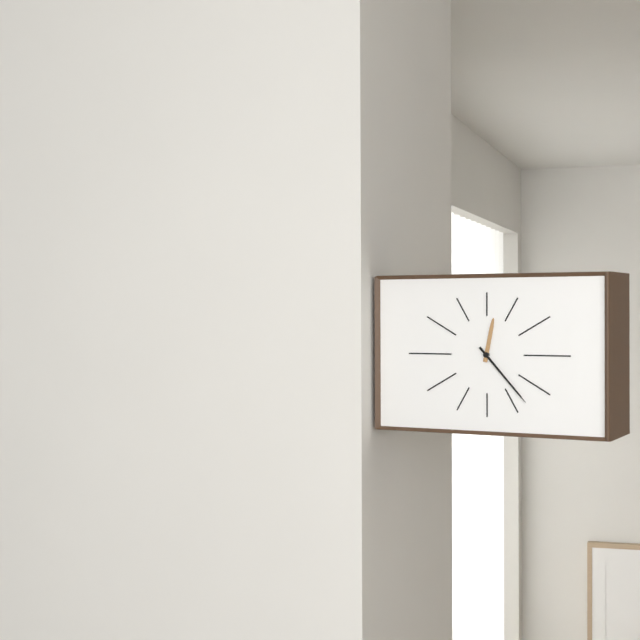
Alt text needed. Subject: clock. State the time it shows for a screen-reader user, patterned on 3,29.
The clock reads 12,23
